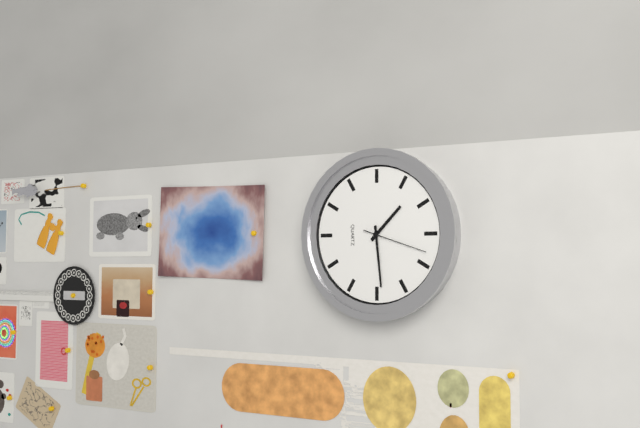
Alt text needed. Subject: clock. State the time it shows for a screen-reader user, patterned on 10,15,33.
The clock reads 1,29,18
